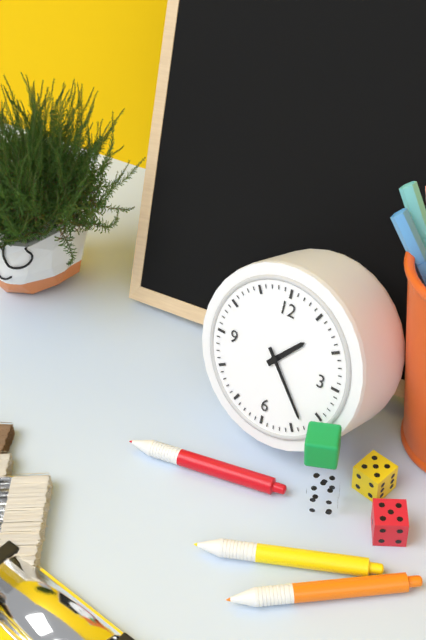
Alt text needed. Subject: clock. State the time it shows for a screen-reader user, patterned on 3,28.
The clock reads 1,23
